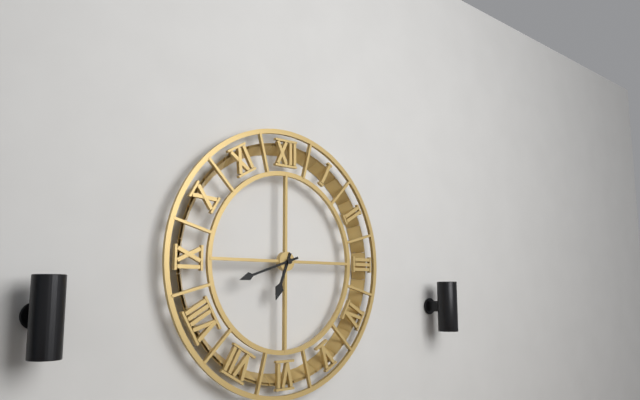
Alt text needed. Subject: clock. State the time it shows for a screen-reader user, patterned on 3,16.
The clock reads 6,42
